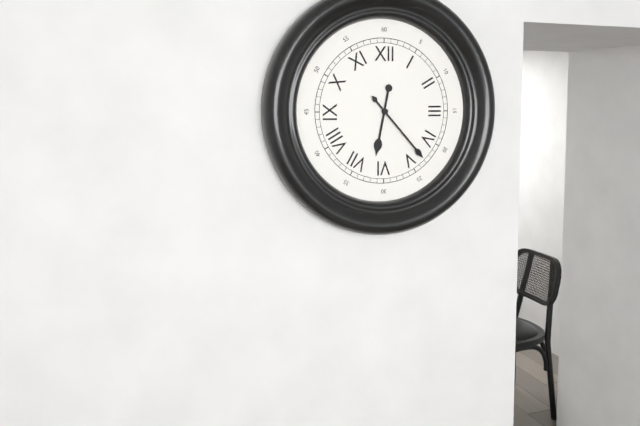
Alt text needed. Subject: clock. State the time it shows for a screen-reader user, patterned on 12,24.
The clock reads 6,23
